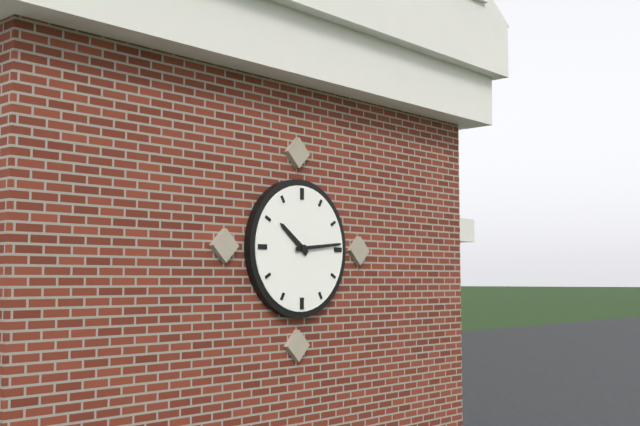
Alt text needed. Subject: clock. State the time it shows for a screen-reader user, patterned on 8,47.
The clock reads 10,14
